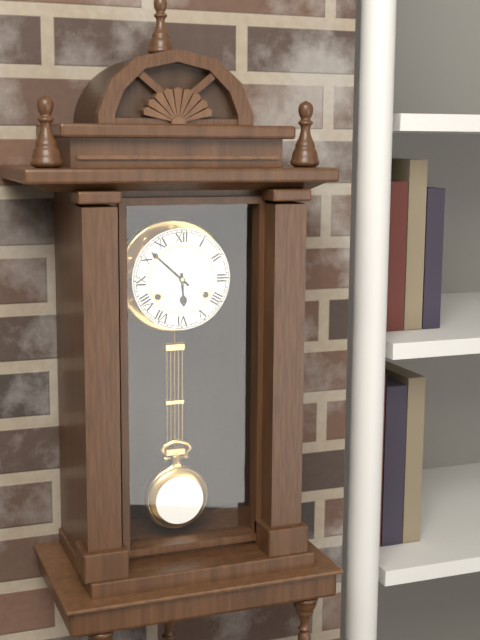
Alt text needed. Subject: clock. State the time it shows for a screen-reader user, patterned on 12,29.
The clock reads 5,52
